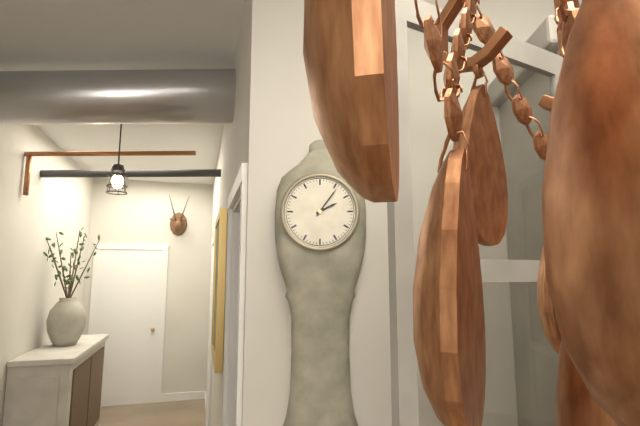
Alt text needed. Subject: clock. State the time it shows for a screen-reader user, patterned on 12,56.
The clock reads 2,06
